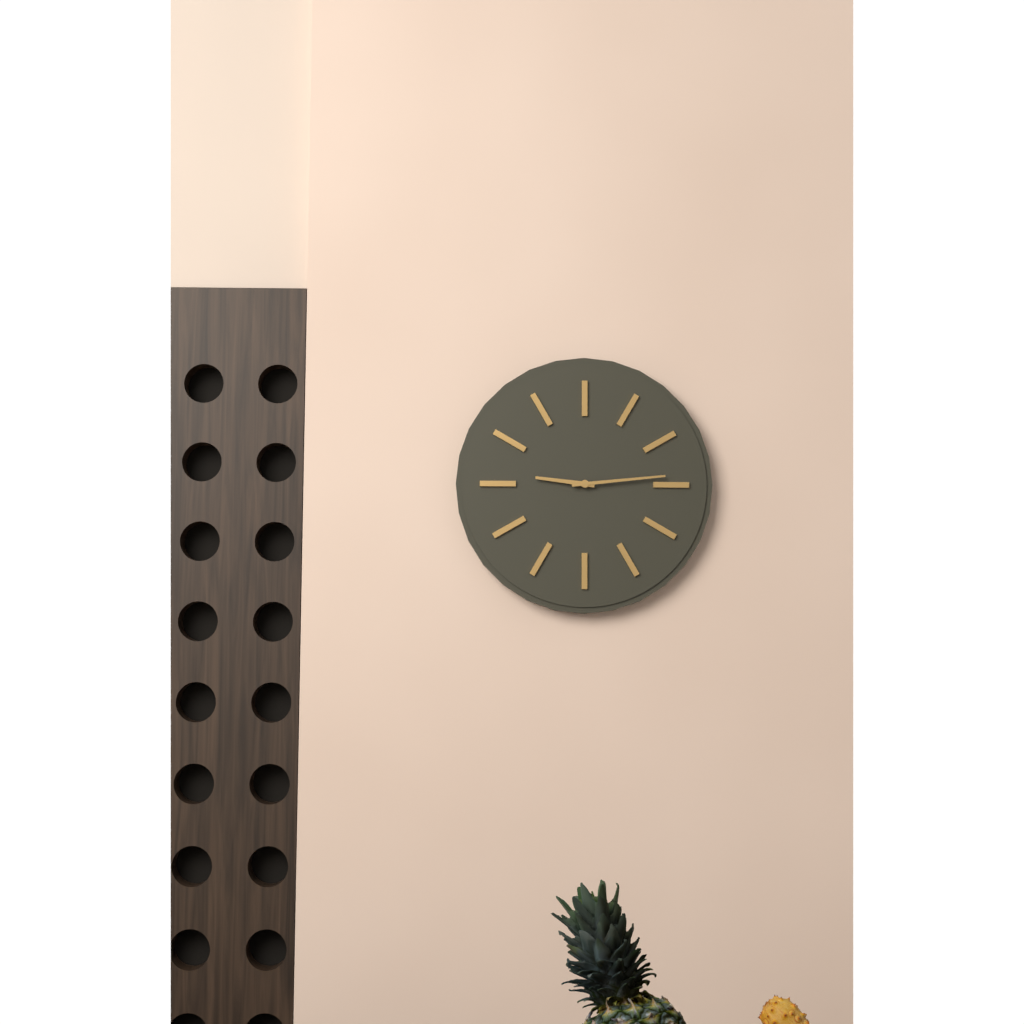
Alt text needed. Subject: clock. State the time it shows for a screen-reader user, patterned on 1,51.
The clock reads 9,14
